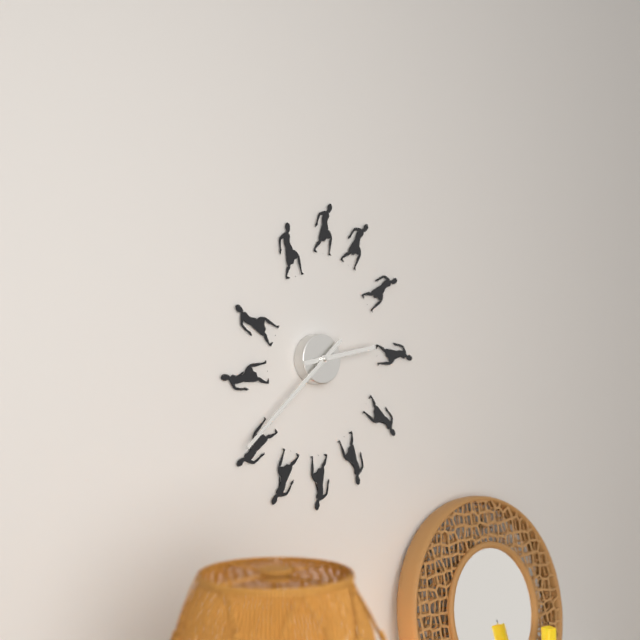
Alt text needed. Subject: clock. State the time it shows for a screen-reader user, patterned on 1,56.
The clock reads 2,38
